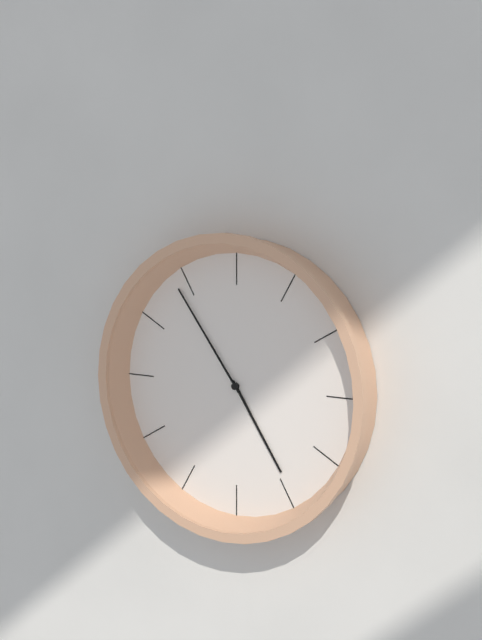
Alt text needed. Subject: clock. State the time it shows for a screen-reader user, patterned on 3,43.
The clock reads 4,54
